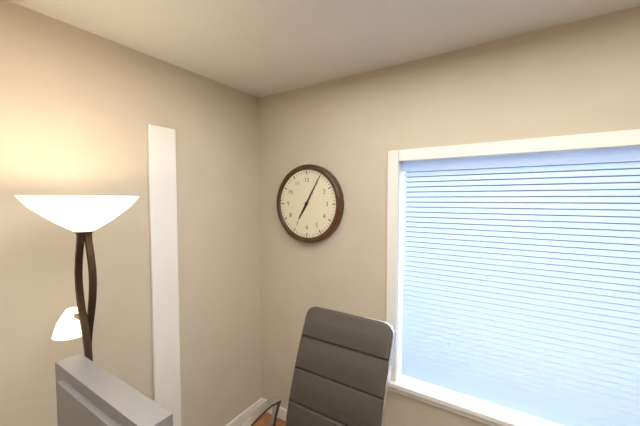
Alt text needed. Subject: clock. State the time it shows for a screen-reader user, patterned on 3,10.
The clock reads 7,05
